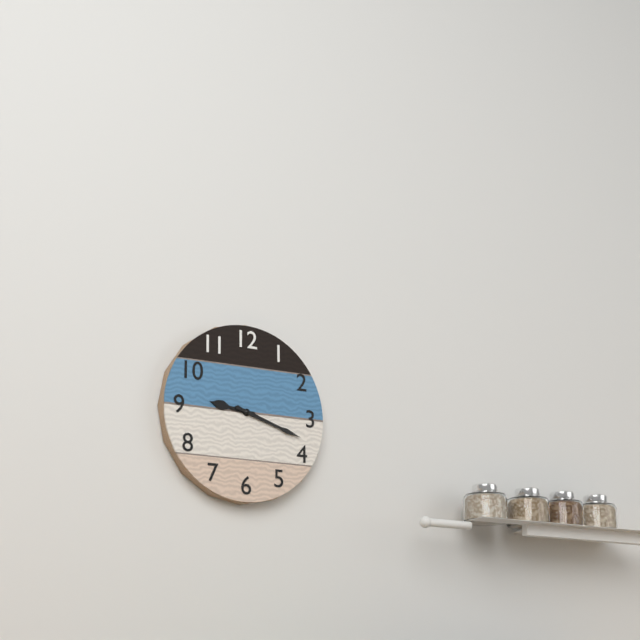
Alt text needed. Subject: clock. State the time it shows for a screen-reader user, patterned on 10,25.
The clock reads 9,18
